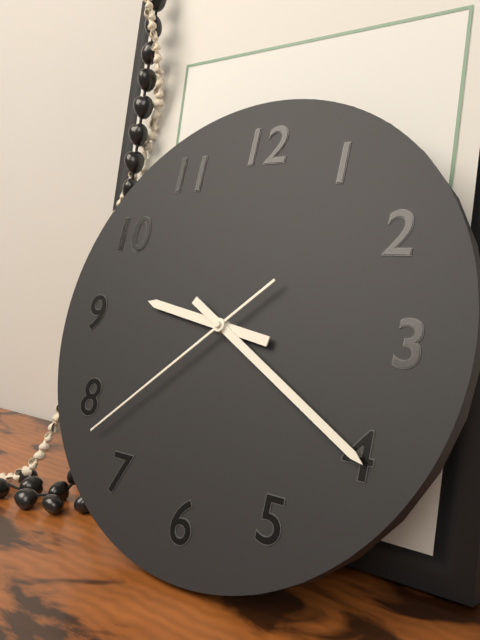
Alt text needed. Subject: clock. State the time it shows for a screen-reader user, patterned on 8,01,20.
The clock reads 9,20,38
